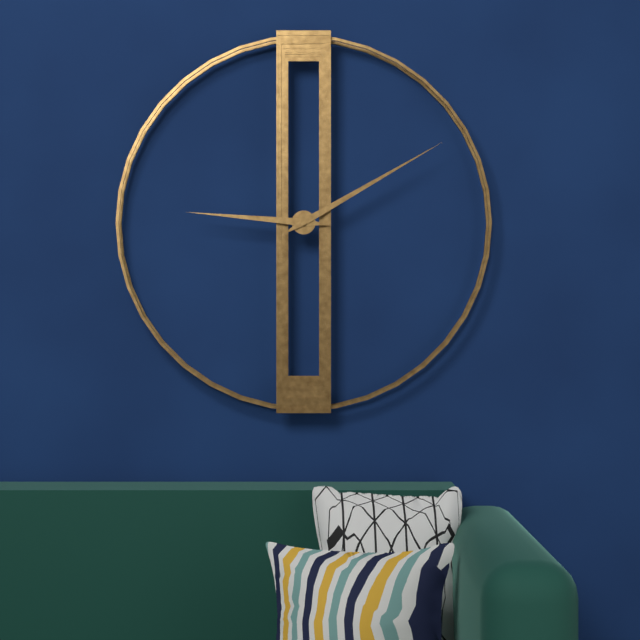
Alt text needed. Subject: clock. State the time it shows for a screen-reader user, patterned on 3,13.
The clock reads 9,10
